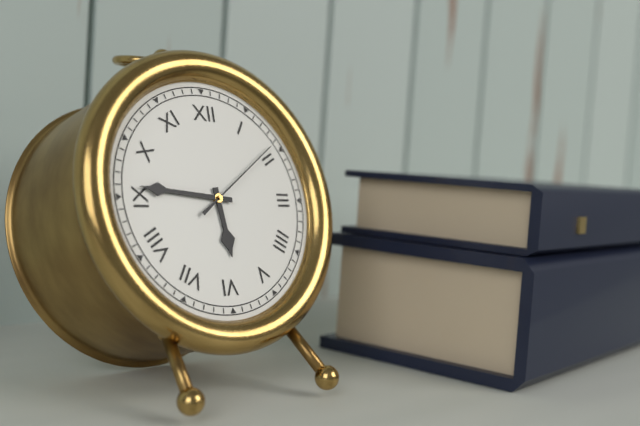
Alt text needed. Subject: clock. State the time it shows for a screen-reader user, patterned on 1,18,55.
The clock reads 5,46,09
